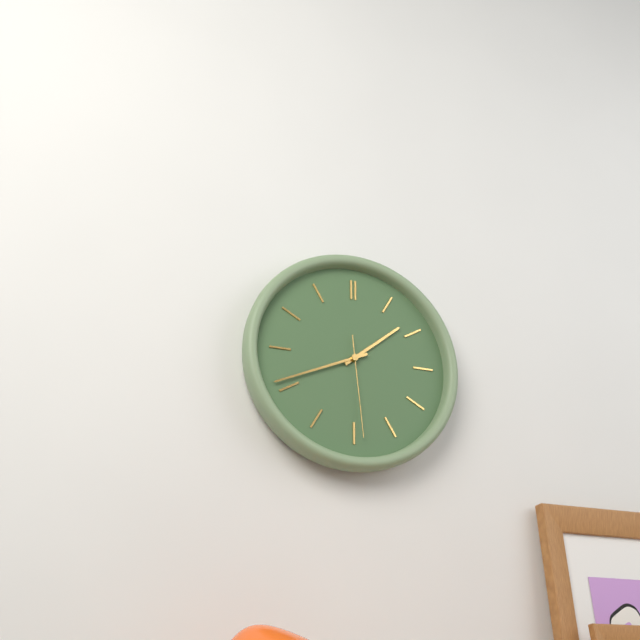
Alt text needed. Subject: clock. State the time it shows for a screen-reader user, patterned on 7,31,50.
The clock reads 1,41,29
